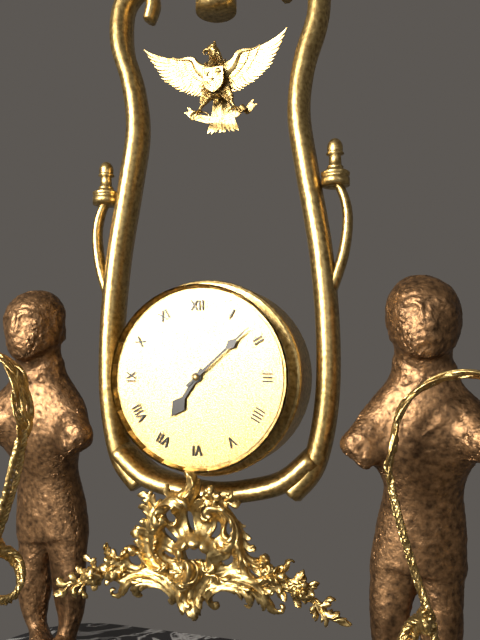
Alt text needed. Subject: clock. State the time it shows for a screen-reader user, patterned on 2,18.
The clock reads 7,08
